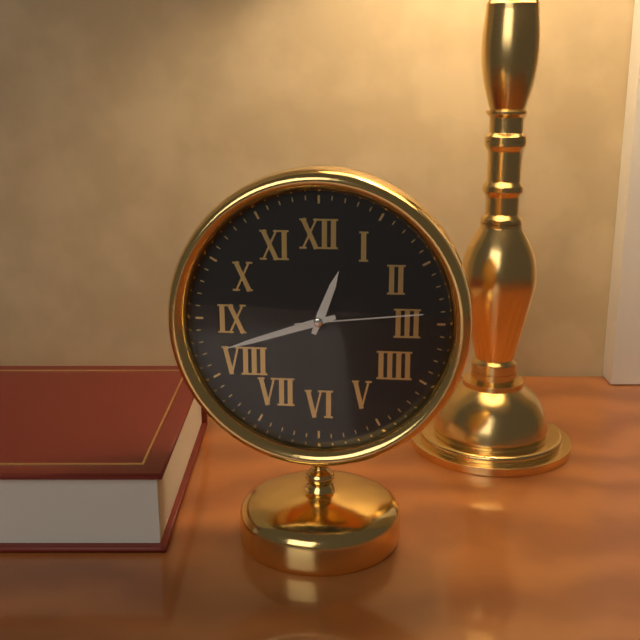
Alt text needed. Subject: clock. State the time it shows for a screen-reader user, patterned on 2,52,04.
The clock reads 12,42,14
